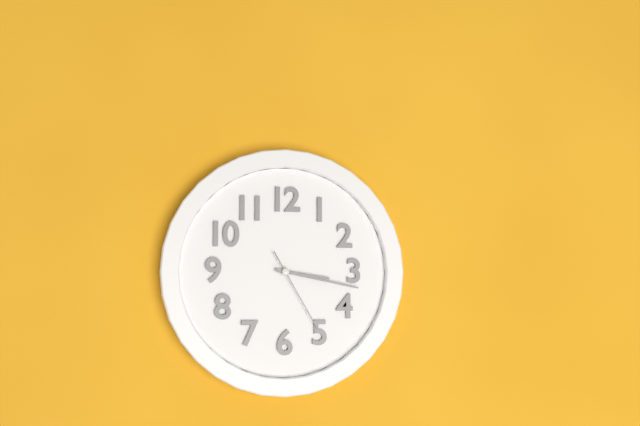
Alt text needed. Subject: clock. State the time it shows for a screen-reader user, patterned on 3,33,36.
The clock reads 3,17,25
